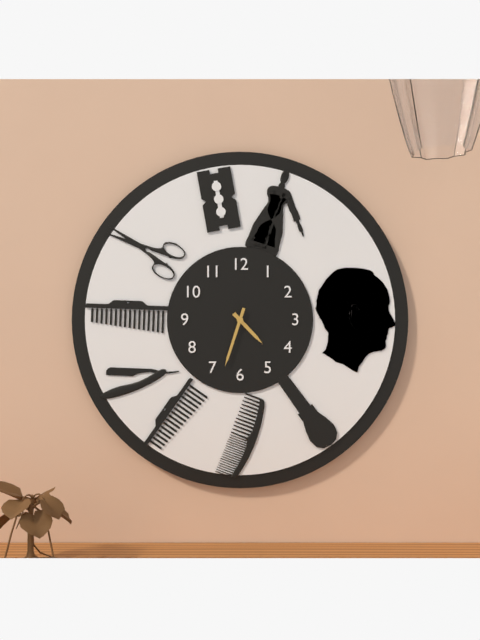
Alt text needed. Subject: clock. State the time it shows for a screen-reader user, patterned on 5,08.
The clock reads 4,33
